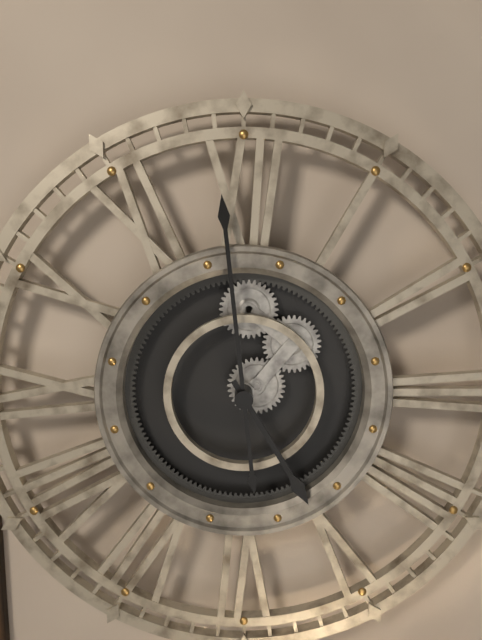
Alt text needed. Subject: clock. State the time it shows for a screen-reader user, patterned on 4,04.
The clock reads 4,59
